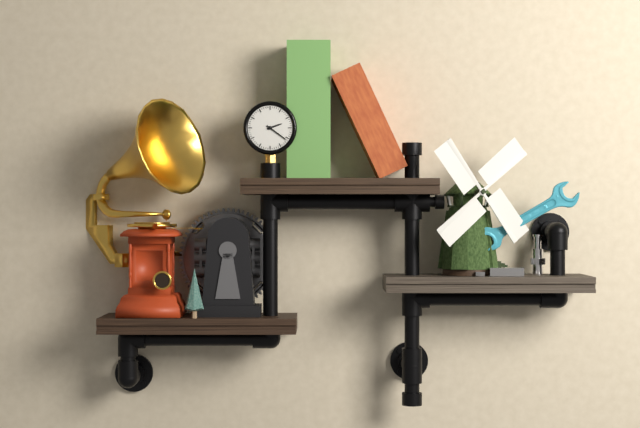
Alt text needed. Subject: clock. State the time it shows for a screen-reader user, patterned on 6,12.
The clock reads 2,21
